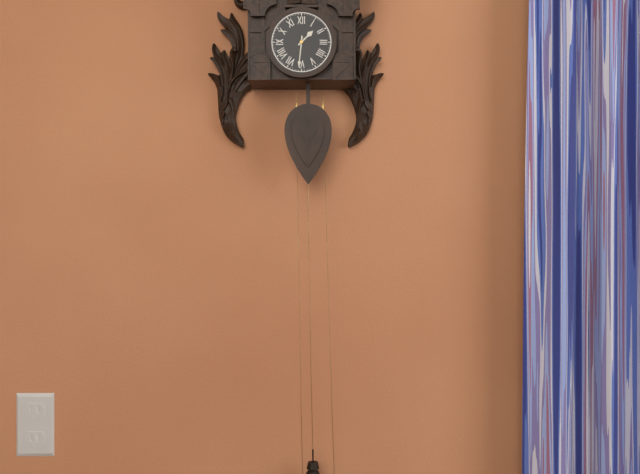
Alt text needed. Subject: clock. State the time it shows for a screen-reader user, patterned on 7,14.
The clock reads 1,31
